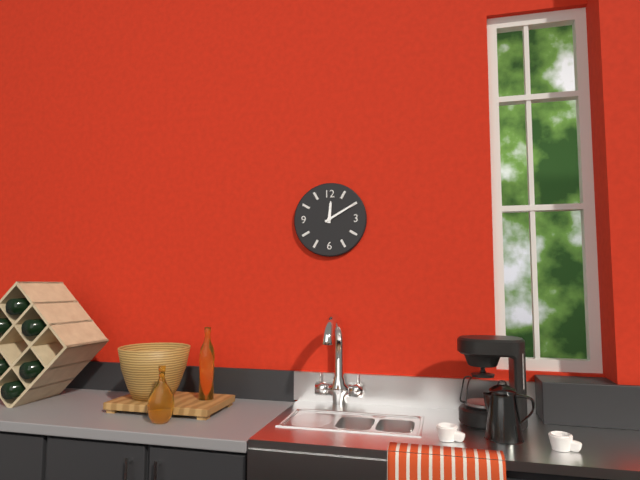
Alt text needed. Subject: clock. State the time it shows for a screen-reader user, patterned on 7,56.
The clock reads 12,10
